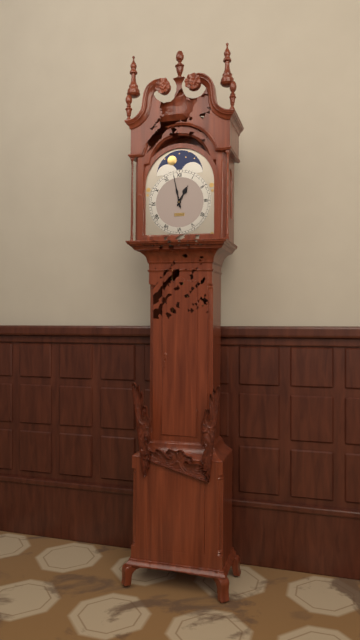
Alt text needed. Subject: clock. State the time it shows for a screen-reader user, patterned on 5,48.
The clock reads 12,58
